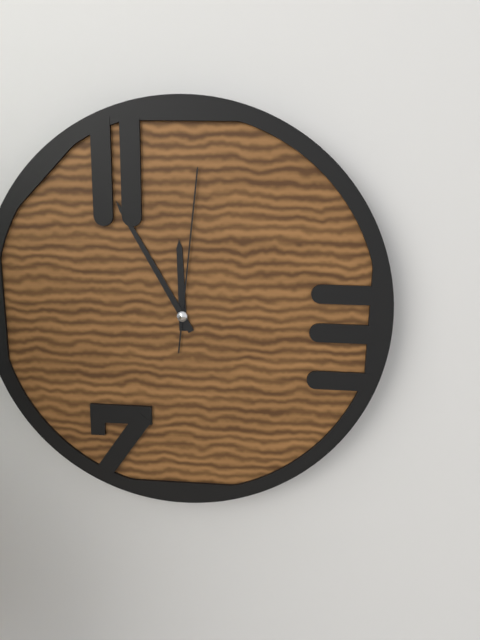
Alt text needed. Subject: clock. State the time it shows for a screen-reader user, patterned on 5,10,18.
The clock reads 11,55,01
